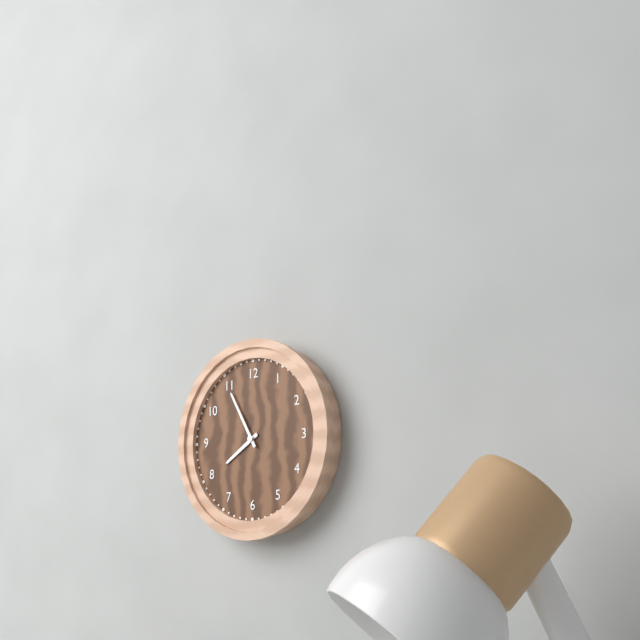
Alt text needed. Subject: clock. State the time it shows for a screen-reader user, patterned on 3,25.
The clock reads 7,55
